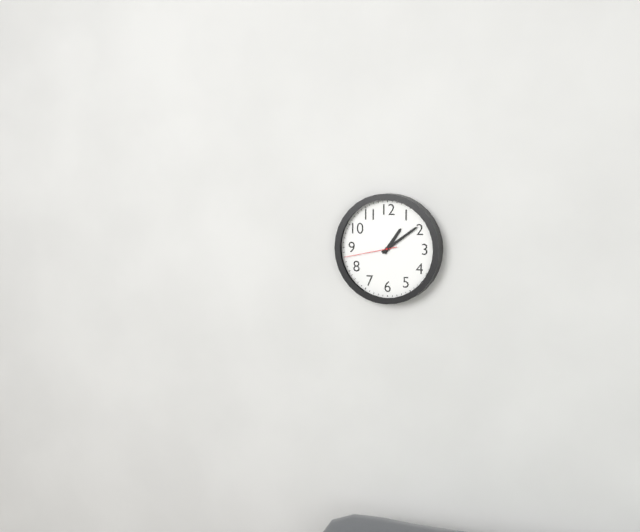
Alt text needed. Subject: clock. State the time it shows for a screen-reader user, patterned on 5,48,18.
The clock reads 1,09,43
